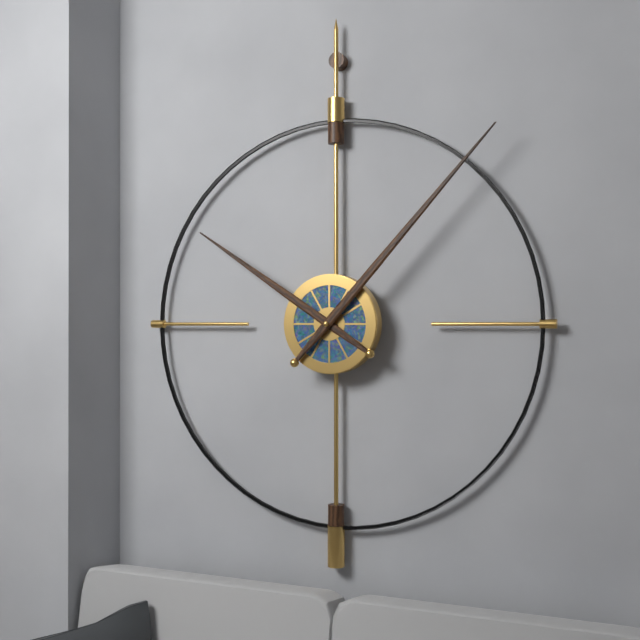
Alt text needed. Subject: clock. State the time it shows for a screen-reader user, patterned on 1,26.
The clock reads 10,07
